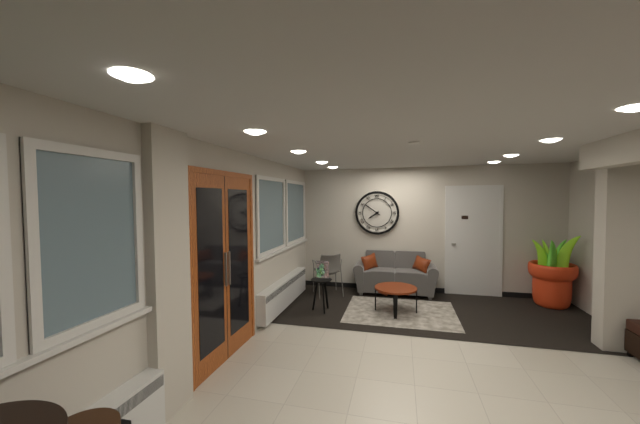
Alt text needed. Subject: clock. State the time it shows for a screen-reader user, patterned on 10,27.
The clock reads 7,51
